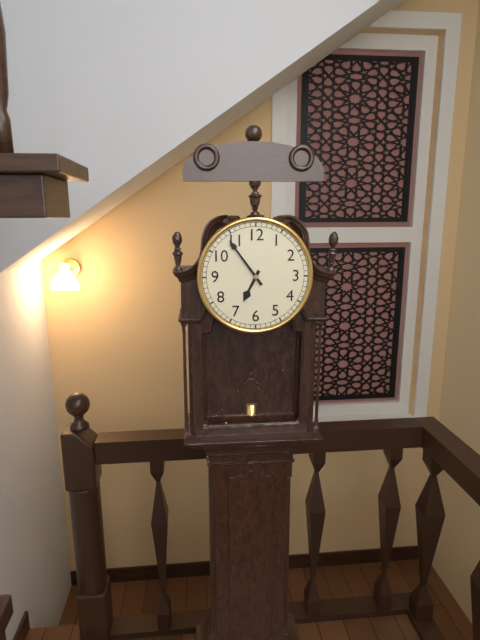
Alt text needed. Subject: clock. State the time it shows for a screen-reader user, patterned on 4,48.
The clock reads 6,54
